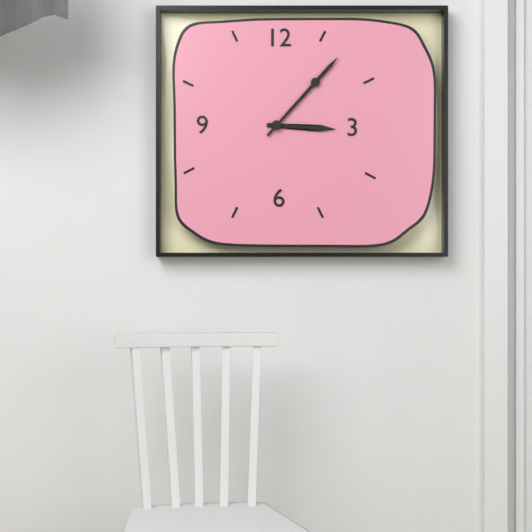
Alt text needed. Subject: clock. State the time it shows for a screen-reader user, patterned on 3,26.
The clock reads 3,07
